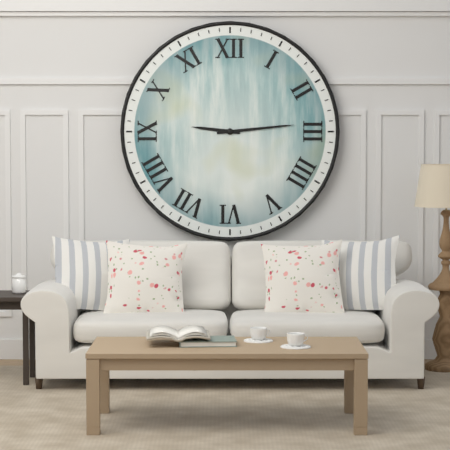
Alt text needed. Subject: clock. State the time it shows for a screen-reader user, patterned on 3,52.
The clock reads 9,14
